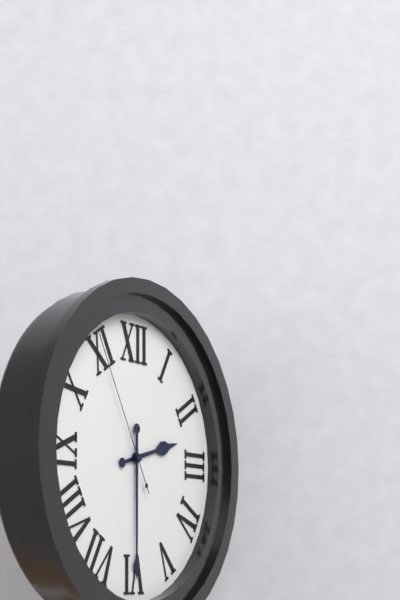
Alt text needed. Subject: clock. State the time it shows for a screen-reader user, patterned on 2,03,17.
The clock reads 2,30,55
